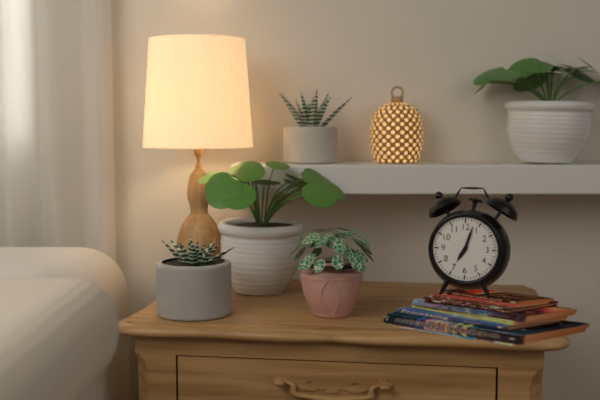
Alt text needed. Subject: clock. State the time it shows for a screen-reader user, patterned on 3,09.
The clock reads 7,03
